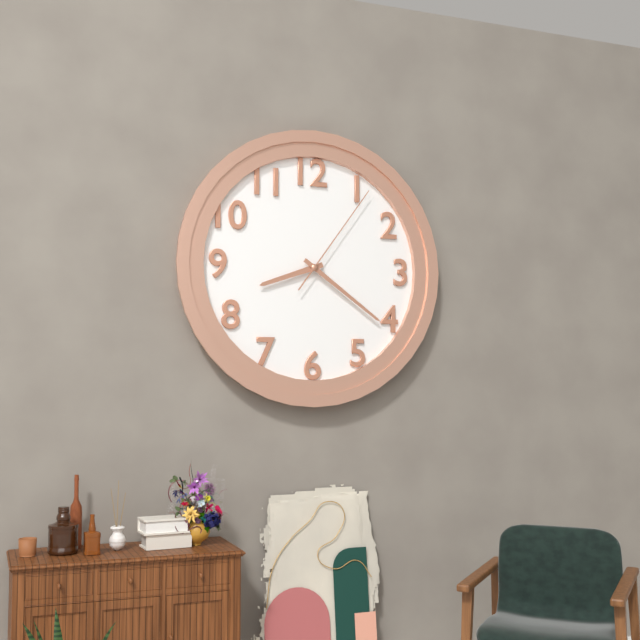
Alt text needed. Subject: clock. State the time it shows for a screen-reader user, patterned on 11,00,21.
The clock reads 8,21,06
